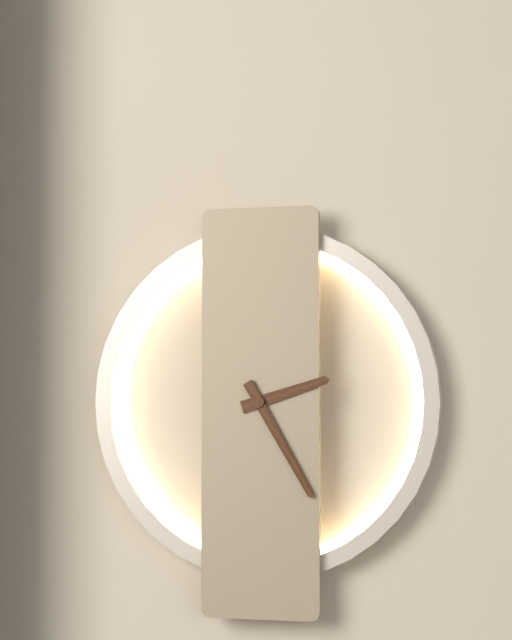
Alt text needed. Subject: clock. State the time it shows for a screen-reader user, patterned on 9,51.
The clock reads 2,25
